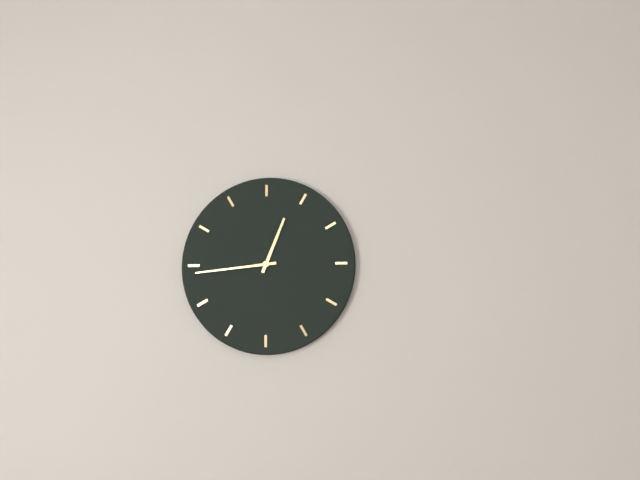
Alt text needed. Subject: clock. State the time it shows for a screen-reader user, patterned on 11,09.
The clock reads 12,44
